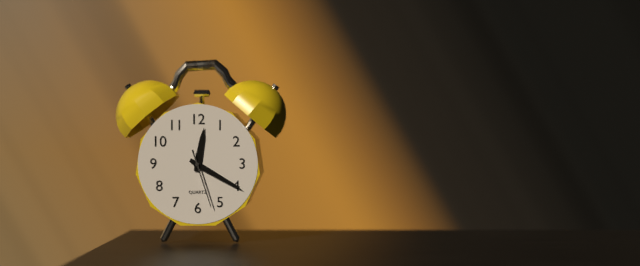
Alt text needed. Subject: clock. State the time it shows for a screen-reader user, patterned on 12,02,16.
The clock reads 12,20,27
